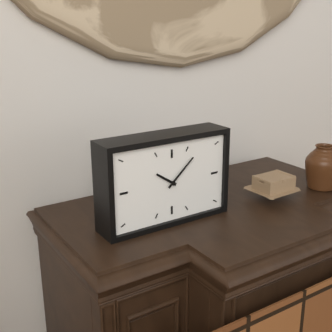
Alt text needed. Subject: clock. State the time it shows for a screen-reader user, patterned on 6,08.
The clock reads 10,08
